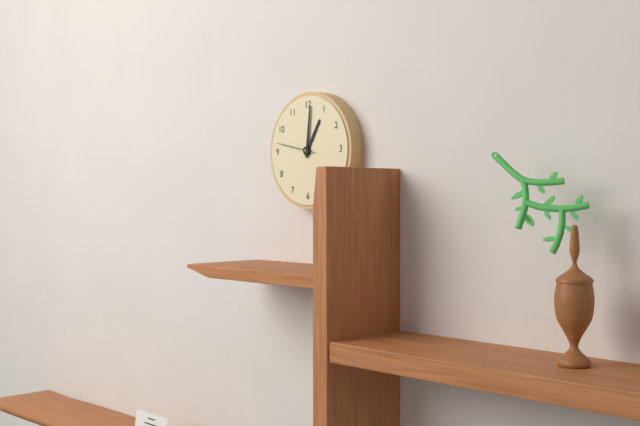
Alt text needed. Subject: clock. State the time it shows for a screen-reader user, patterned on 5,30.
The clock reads 1,01
